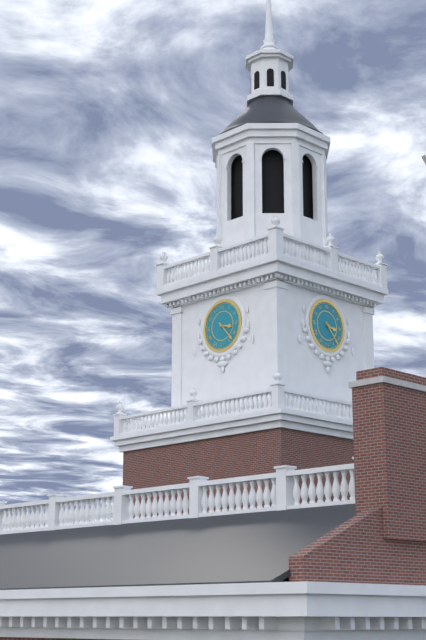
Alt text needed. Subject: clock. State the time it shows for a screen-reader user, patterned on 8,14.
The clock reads 3,23
